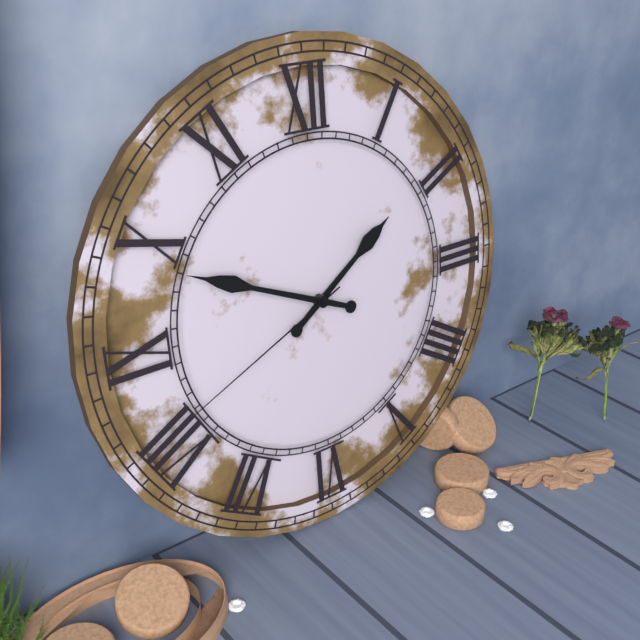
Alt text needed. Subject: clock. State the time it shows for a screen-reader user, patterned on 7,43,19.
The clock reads 1,49,41
